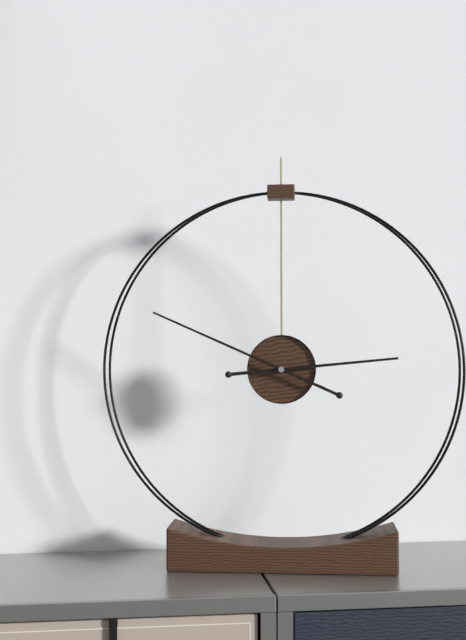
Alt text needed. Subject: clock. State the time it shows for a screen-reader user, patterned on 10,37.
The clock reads 2,49
